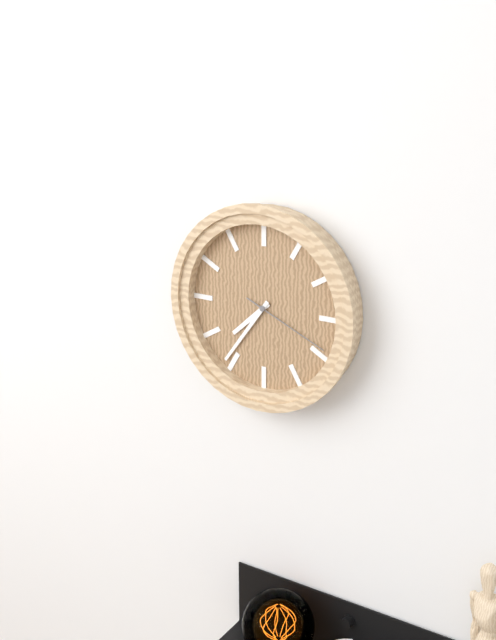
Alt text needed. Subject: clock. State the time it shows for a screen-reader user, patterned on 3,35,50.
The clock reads 7,36,19
